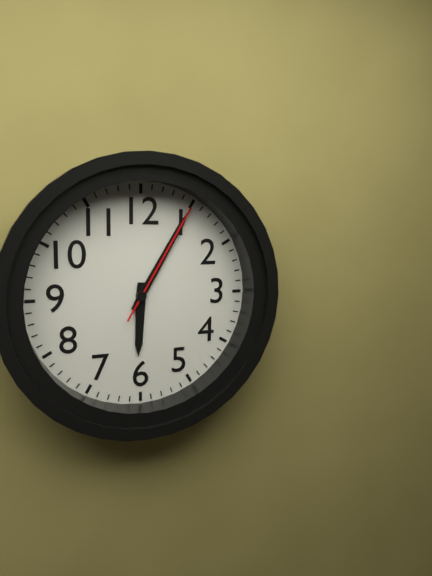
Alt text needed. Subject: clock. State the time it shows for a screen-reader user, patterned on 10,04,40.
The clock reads 6,05,05
